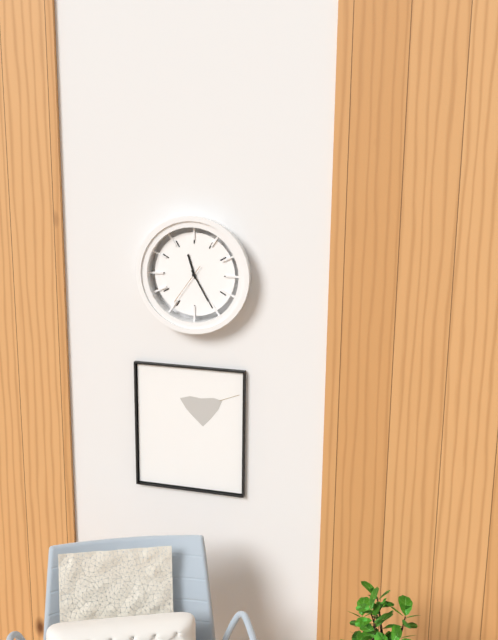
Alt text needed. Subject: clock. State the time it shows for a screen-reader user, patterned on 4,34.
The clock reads 11,25
